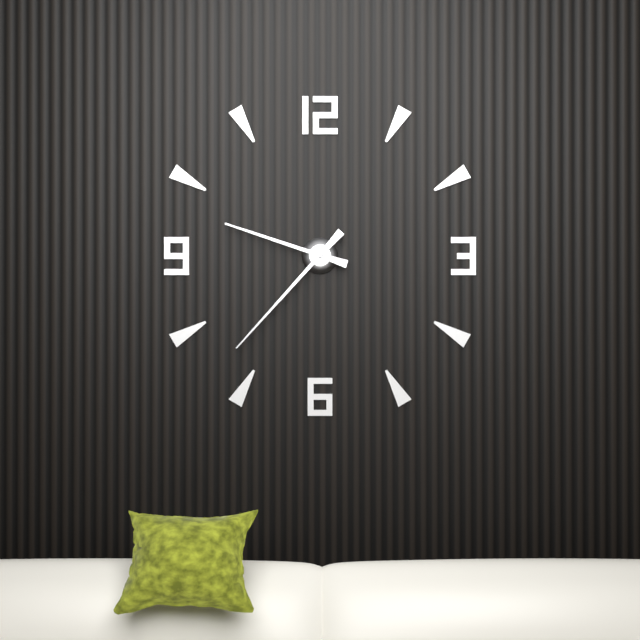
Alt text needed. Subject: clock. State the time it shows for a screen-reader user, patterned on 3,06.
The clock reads 9,37
